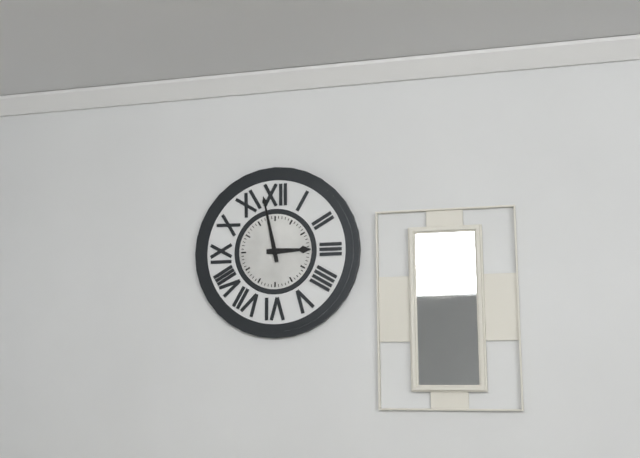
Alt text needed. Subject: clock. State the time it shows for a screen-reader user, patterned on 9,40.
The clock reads 2,58
